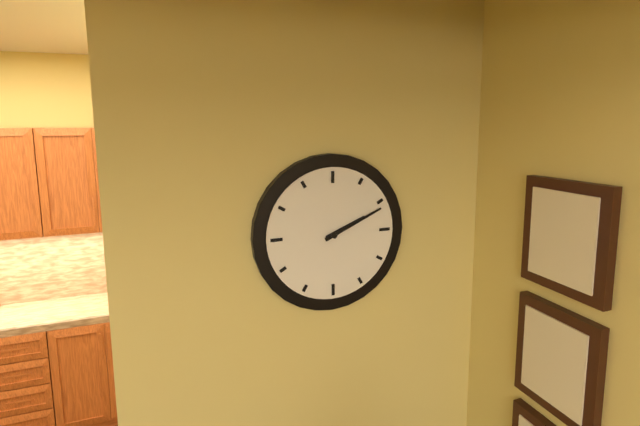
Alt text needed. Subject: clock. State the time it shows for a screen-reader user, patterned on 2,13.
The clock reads 2,11
